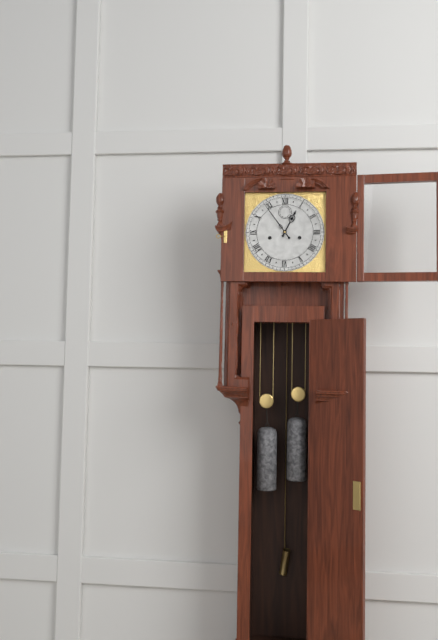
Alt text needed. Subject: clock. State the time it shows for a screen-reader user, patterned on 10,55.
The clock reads 12,54
